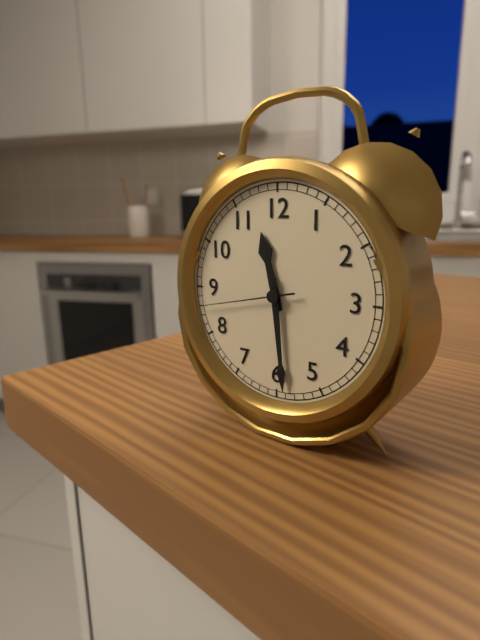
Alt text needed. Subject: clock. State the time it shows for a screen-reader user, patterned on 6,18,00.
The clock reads 11,29,43
